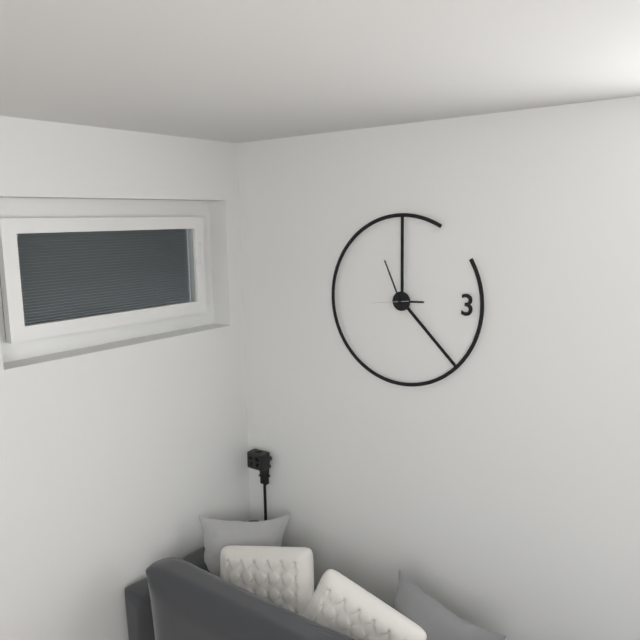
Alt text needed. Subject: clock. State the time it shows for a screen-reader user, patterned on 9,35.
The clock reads 2,56
